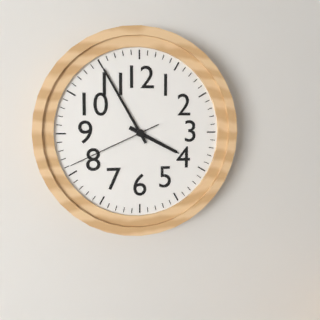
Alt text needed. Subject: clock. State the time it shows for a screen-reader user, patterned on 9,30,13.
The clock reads 3,55,41
